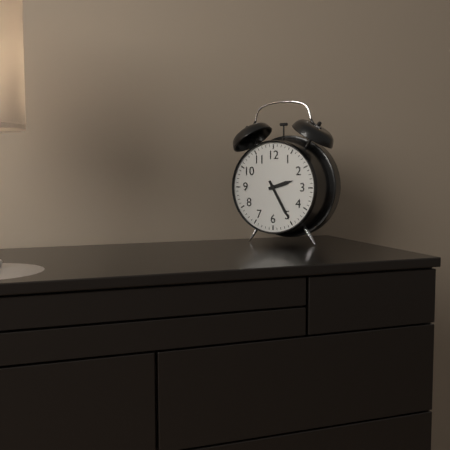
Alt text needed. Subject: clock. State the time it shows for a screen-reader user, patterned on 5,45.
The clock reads 2,25
